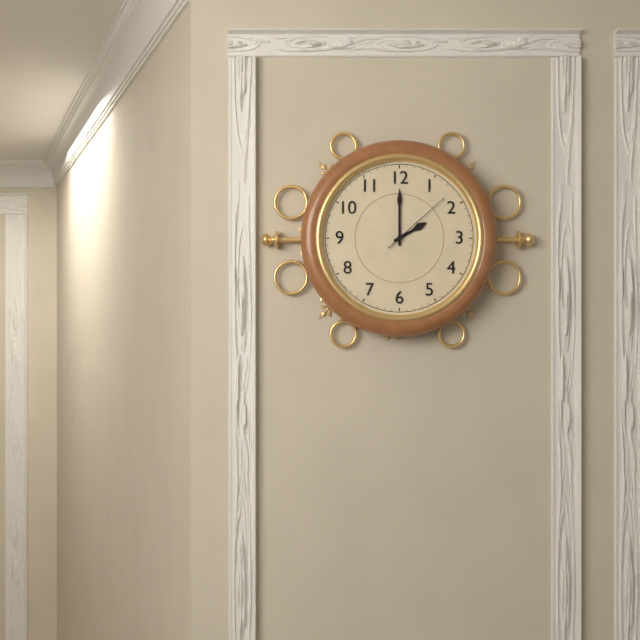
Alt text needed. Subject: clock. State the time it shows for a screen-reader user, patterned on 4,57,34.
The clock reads 2,00,08
